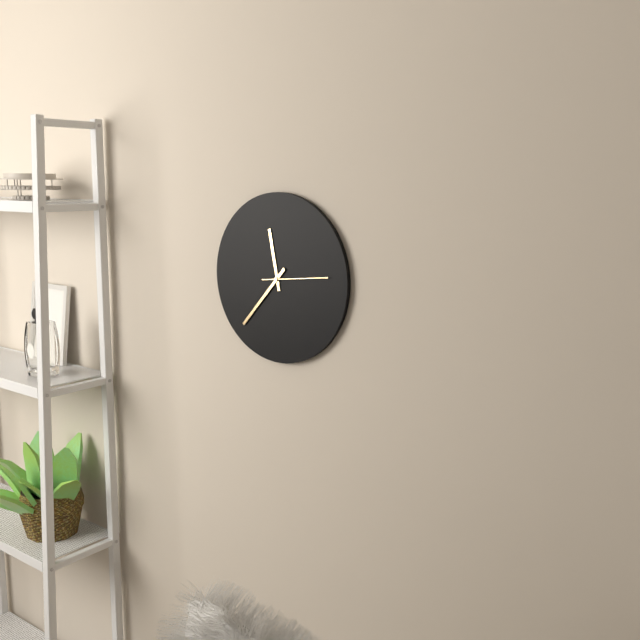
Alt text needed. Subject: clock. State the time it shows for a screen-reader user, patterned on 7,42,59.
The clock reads 11,37,14
